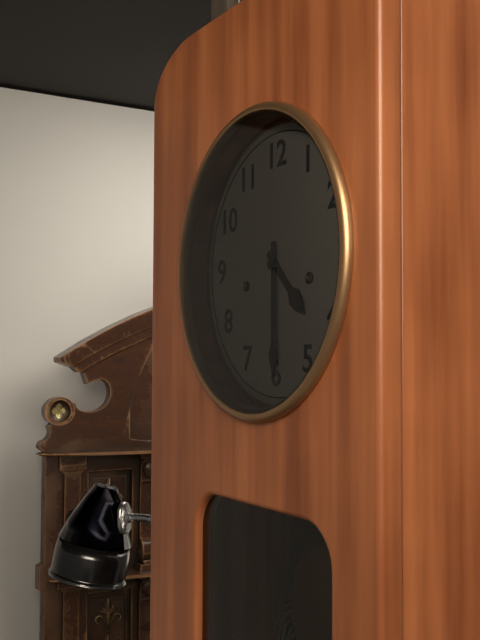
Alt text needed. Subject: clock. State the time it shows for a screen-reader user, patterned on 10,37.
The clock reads 4,30
